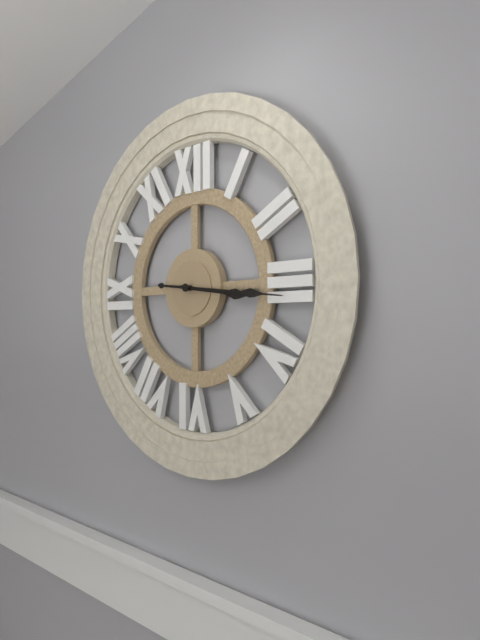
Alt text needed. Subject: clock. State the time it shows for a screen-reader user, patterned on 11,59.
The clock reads 3,16
